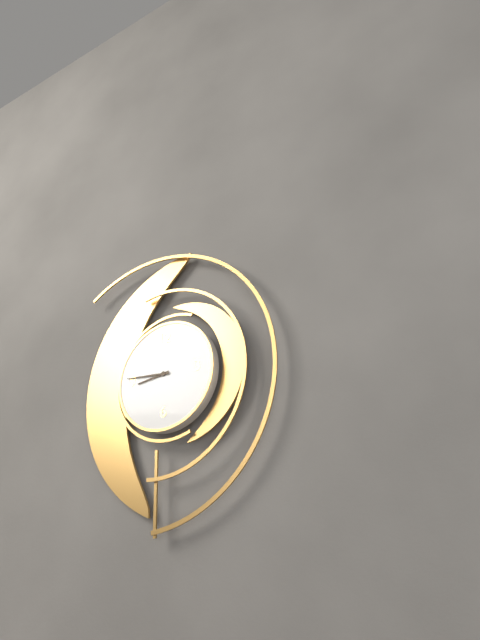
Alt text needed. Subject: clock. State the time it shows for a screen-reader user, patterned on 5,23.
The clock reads 8,46
